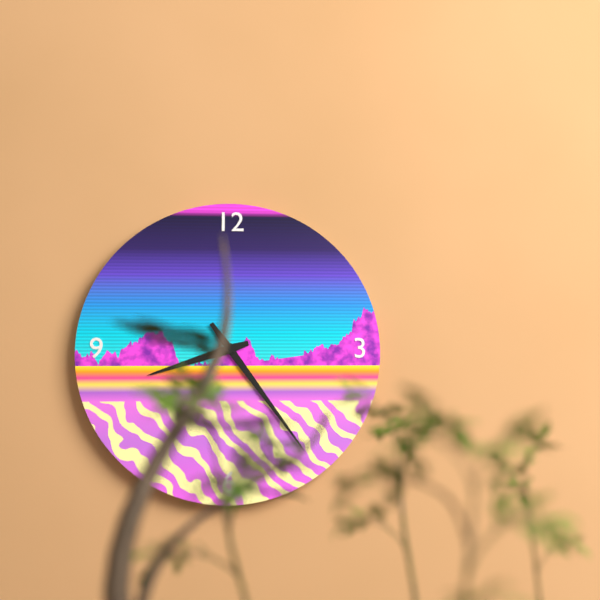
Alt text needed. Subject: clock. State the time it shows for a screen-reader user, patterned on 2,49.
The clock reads 8,24
